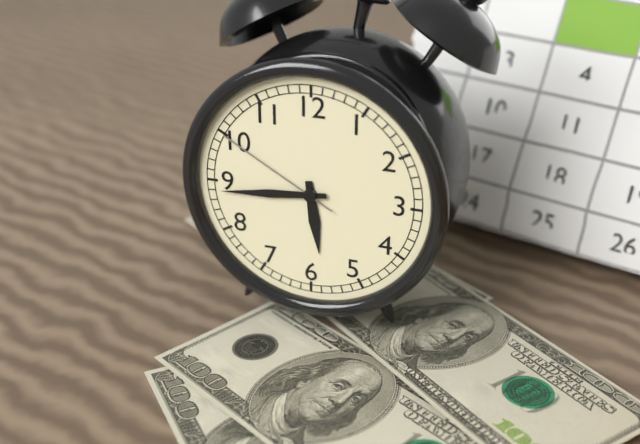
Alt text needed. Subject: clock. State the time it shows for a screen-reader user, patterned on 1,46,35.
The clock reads 5,44,50
